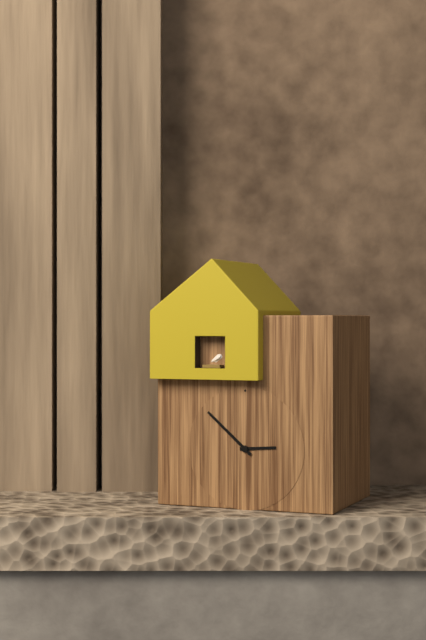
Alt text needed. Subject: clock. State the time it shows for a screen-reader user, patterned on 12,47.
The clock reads 2,52
